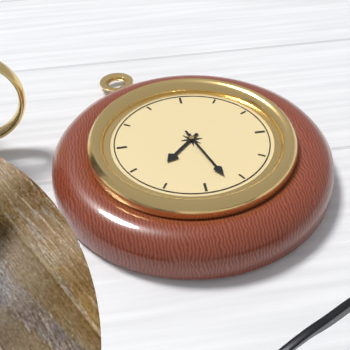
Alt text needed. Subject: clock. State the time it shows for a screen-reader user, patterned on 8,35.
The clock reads 7,27
